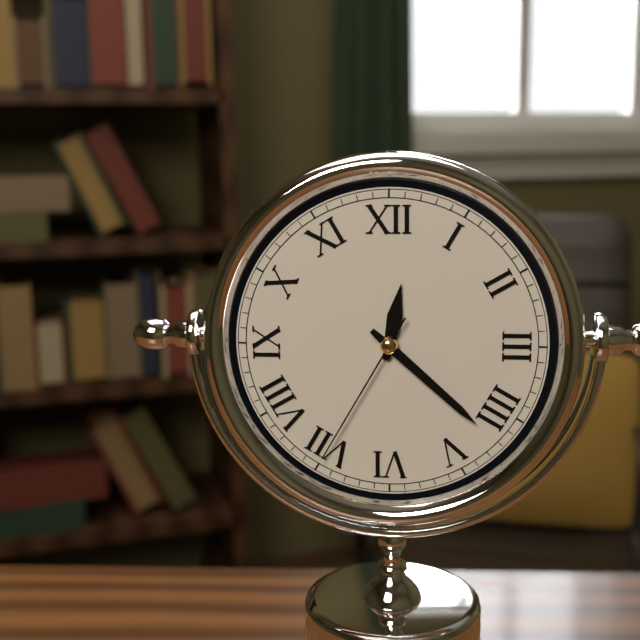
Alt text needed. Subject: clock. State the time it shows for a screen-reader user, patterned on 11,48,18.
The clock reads 12,22,35
